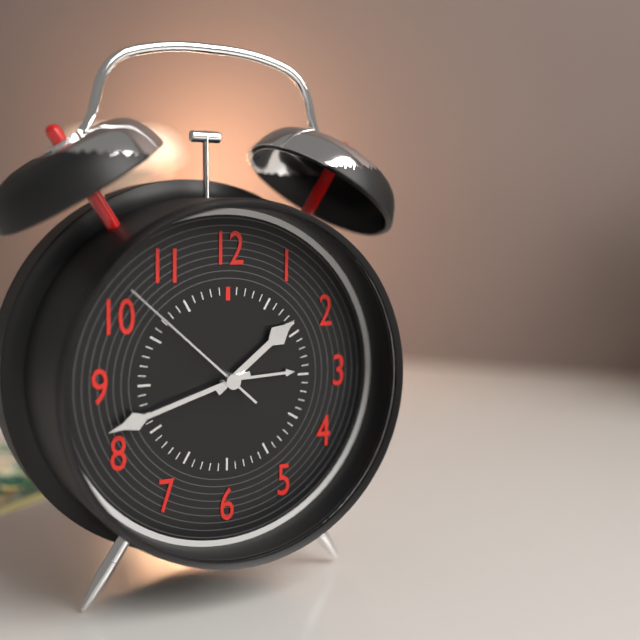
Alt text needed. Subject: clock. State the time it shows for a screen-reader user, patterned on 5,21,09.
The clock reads 1,42,52
